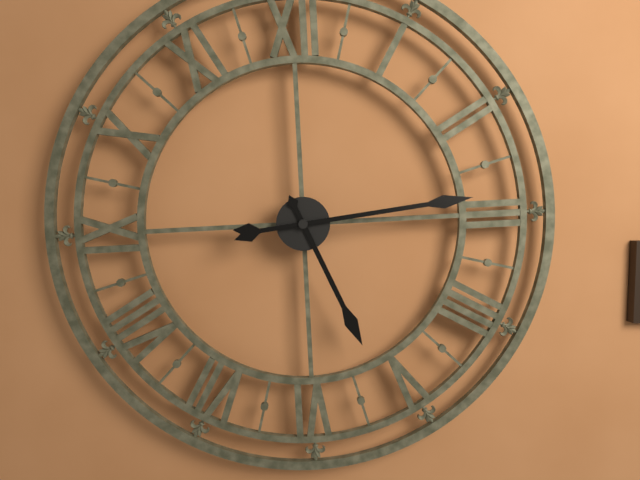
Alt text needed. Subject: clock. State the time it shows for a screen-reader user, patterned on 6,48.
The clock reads 5,14
